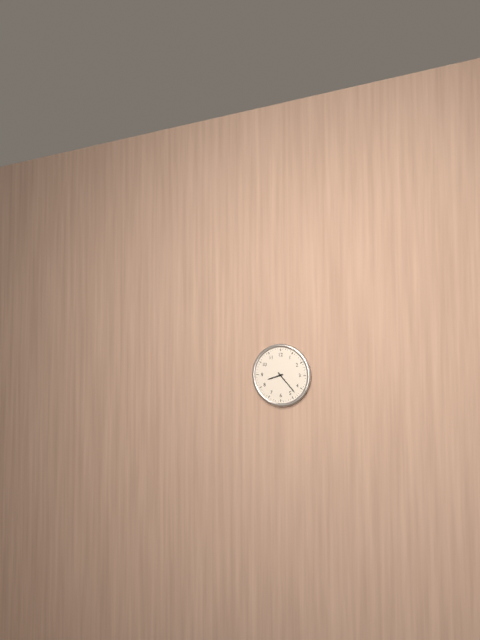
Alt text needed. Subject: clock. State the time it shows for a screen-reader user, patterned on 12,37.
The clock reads 8,23
